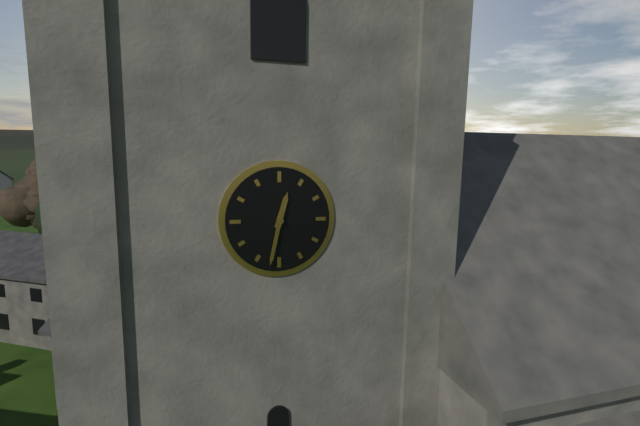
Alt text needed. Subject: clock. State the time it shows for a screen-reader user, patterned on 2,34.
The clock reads 12,32
